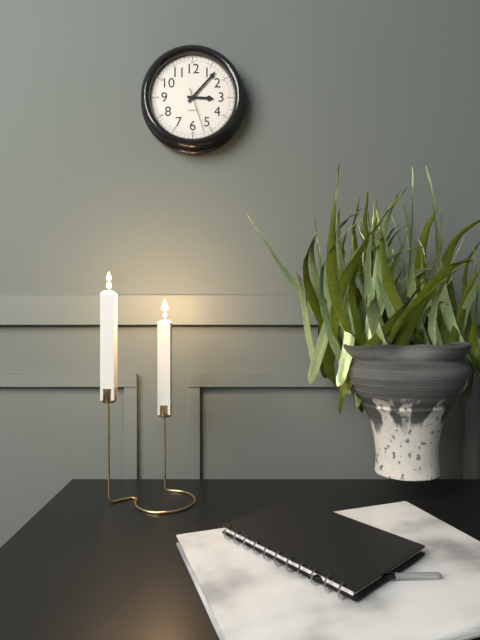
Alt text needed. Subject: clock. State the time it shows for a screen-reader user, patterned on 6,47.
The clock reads 3,07
